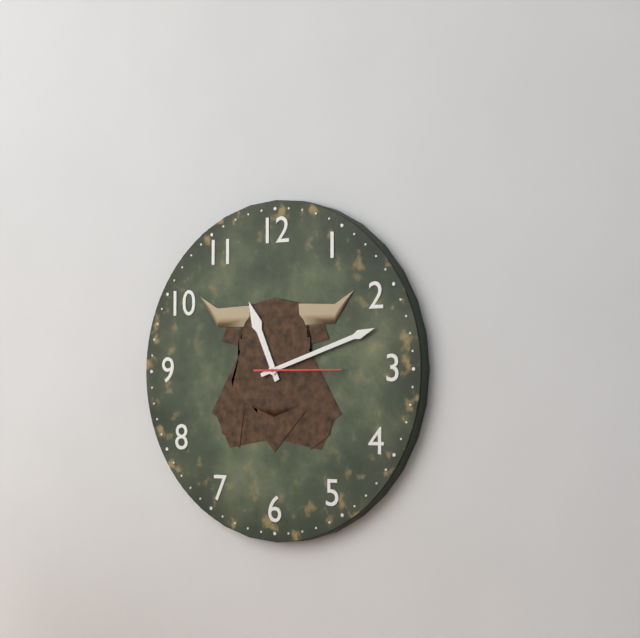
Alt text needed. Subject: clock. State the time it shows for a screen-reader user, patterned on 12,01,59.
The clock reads 11,12,15
